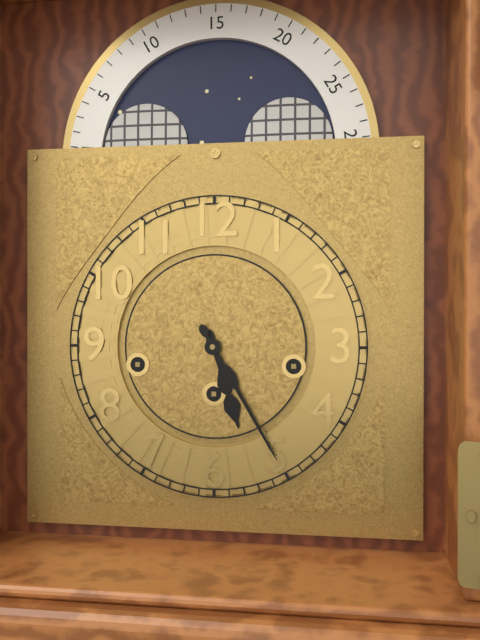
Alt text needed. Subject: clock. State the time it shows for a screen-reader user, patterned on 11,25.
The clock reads 5,25
